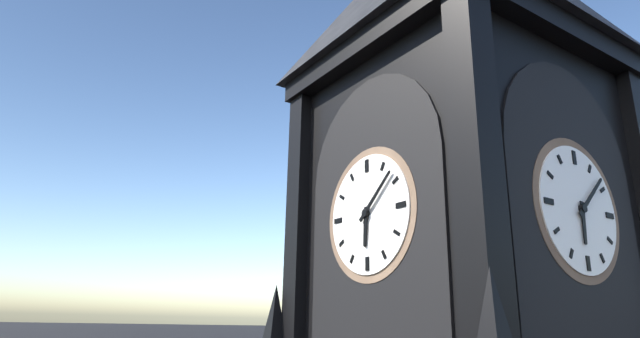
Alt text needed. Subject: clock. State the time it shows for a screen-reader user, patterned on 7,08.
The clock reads 6,08
